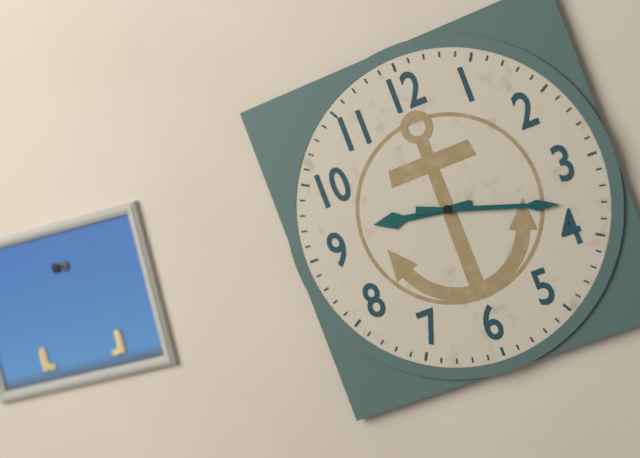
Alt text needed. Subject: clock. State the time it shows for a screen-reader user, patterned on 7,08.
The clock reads 9,18
